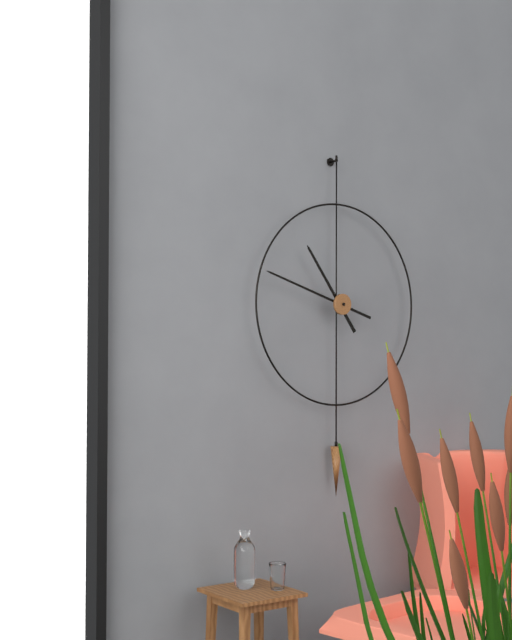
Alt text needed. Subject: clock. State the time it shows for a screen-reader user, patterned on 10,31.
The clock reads 10,48
